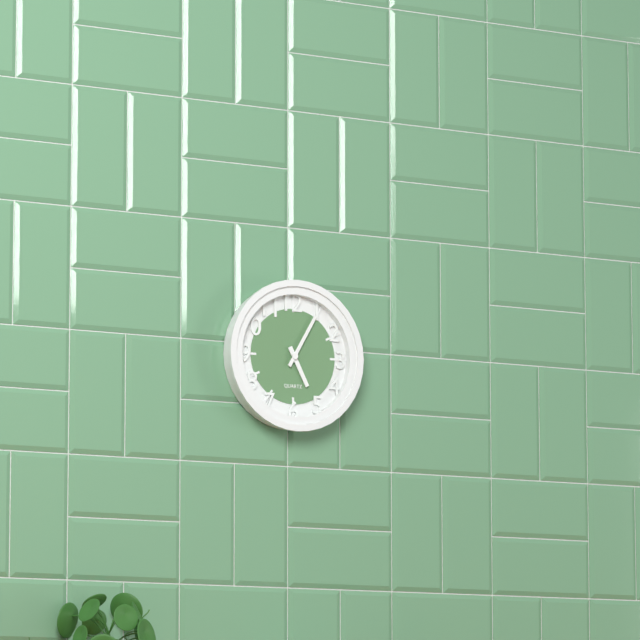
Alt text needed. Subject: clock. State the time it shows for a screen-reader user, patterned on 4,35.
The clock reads 5,05
